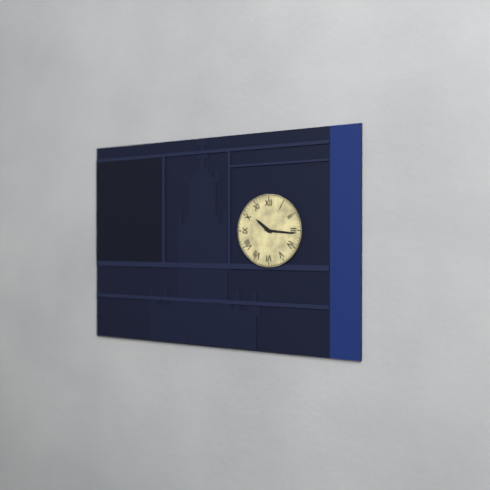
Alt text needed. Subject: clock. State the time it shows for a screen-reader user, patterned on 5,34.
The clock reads 10,16
